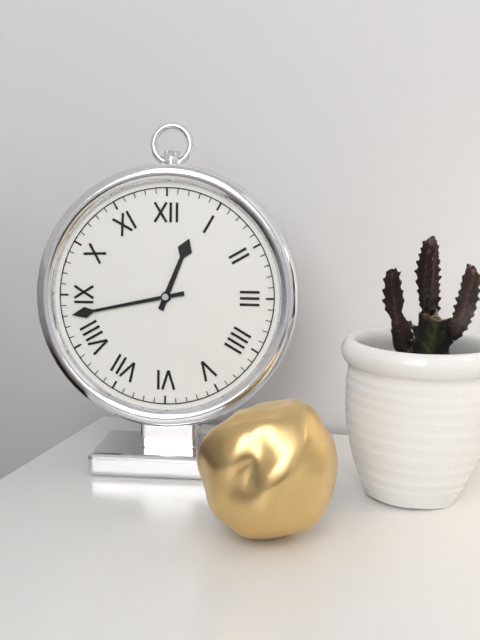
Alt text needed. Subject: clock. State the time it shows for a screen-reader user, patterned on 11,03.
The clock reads 12,43
